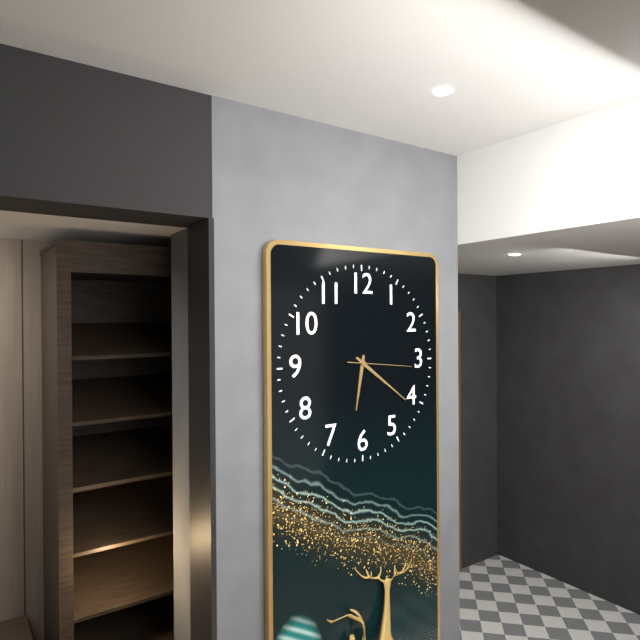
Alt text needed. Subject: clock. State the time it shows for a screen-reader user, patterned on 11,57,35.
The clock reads 6,21,16
